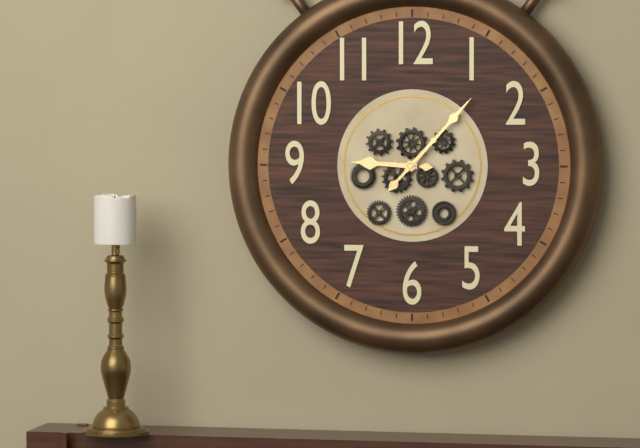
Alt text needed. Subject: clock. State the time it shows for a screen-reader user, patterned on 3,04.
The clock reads 9,07
